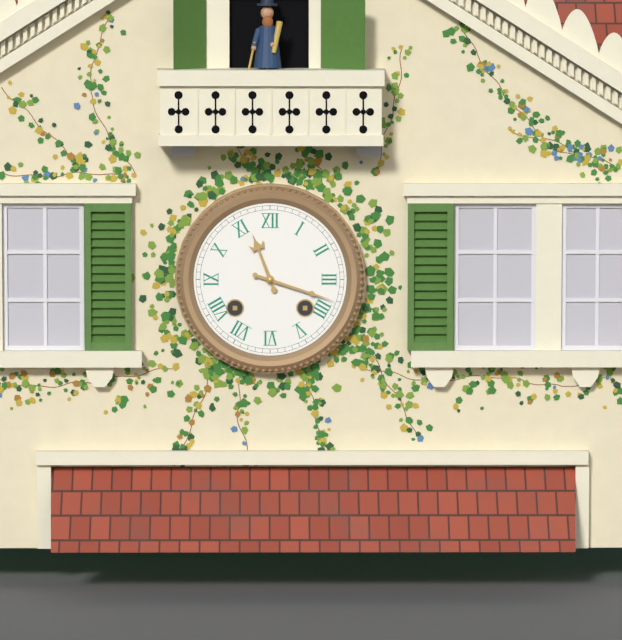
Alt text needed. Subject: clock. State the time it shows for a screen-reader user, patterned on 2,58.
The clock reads 11,18
